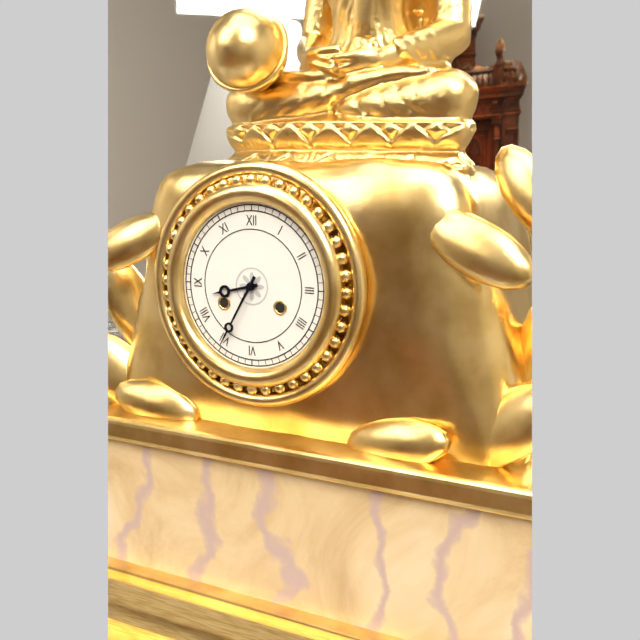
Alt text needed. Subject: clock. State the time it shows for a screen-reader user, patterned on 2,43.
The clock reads 8,35
